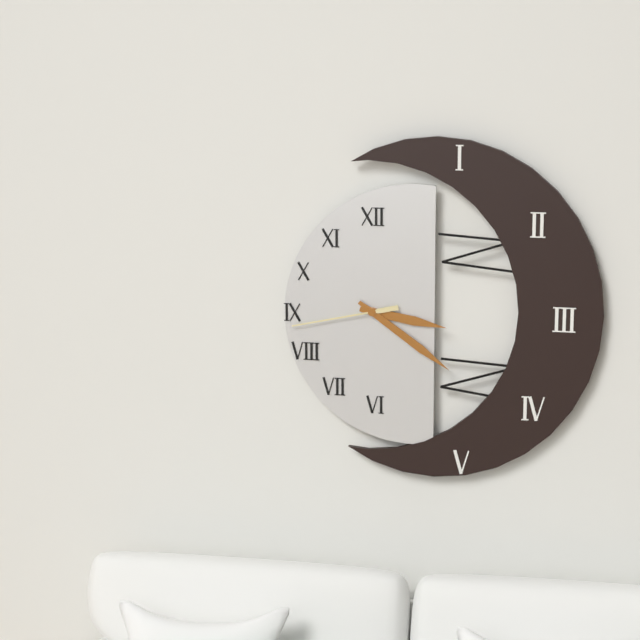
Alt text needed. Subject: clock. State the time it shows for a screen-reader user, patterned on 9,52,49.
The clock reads 3,21,43
